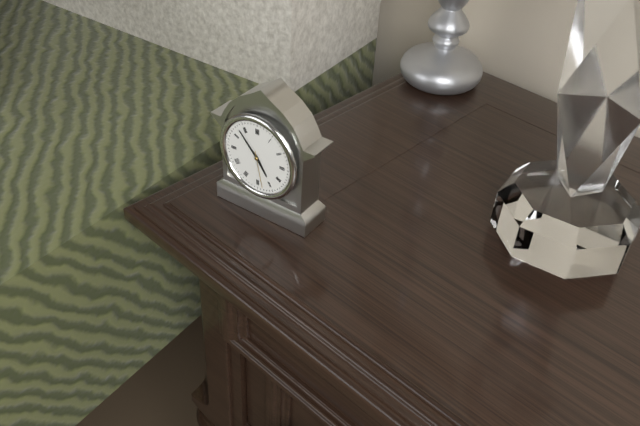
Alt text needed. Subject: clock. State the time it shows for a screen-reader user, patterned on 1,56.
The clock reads 4,53
